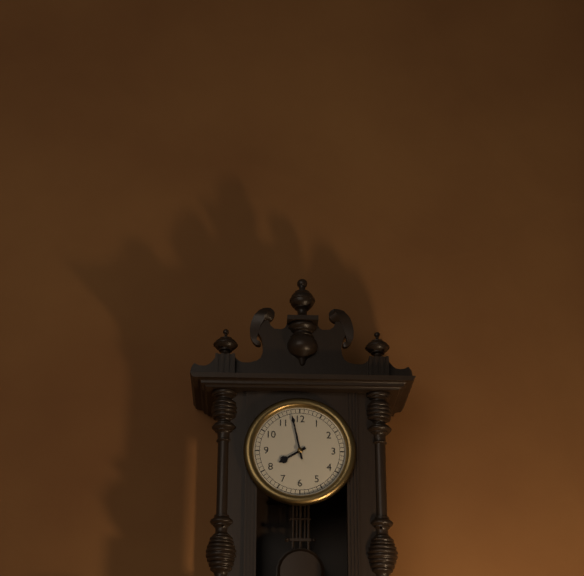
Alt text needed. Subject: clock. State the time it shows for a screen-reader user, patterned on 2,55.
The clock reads 7,58
